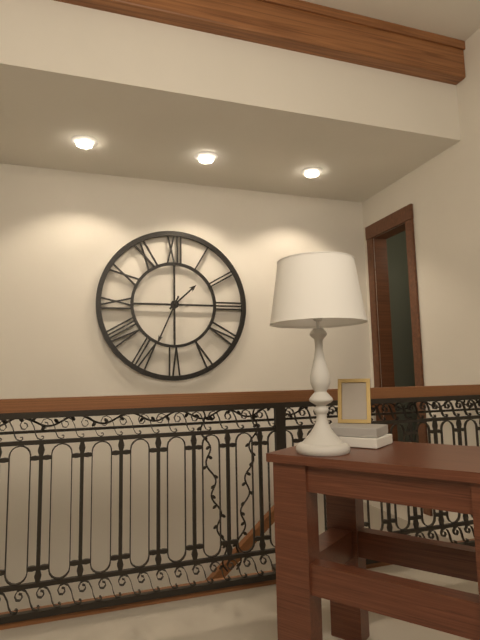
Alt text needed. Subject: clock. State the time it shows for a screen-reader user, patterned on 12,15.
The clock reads 1,34
